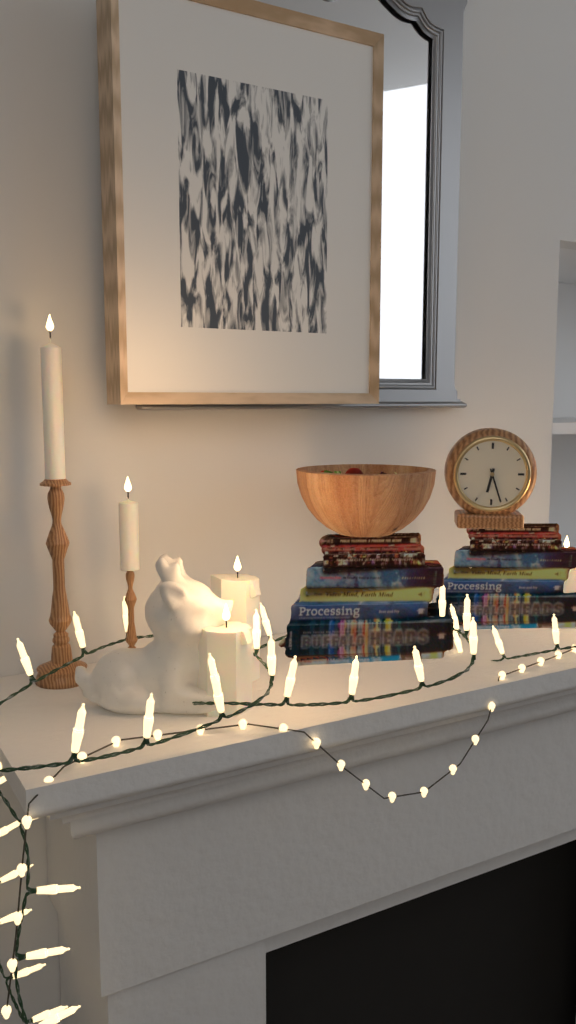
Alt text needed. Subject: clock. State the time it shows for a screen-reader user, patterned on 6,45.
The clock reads 6,27
